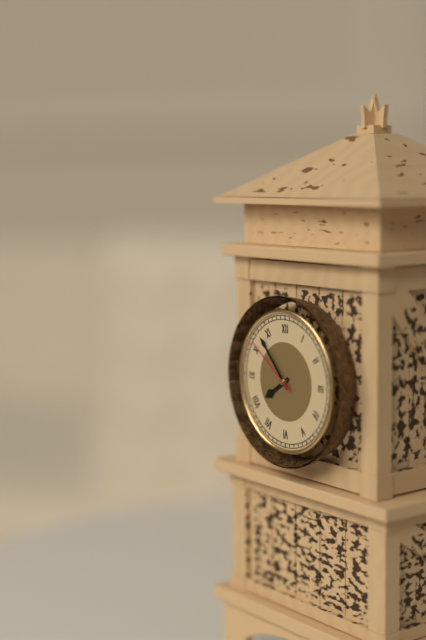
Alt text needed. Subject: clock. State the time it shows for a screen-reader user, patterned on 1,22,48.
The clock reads 7,53,51
